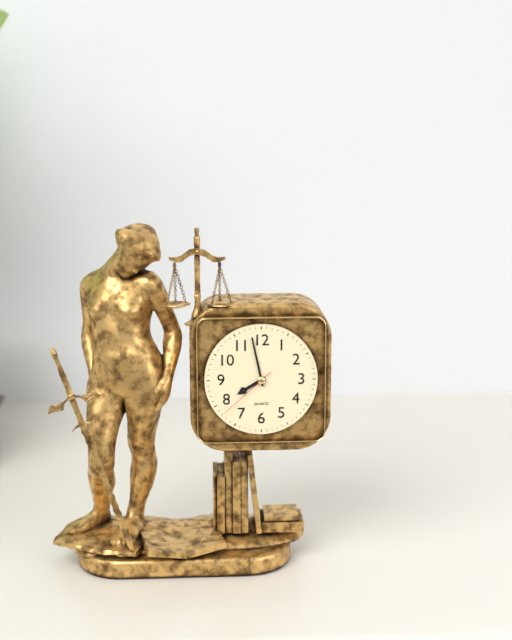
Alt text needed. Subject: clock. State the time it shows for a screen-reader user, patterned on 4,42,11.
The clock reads 7,58,38
